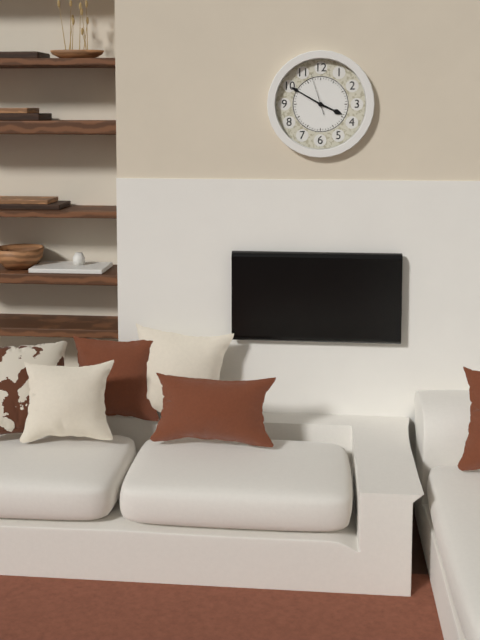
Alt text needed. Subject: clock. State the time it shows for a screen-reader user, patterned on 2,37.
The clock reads 3,50
